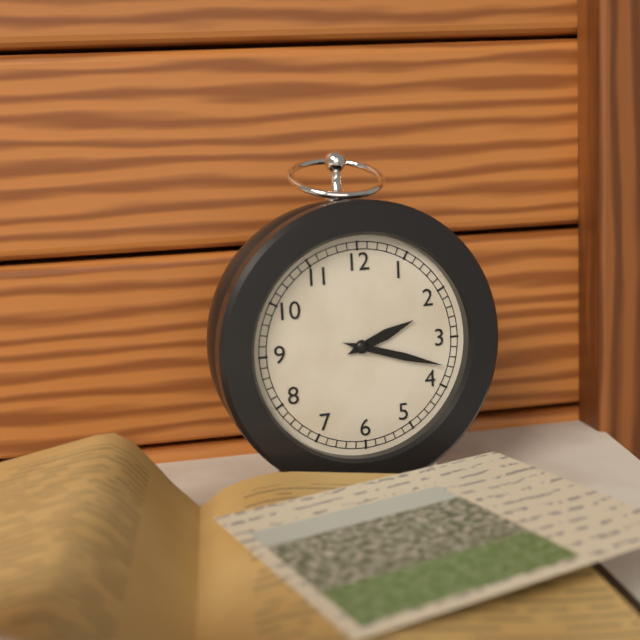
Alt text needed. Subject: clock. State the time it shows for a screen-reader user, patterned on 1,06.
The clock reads 2,18
